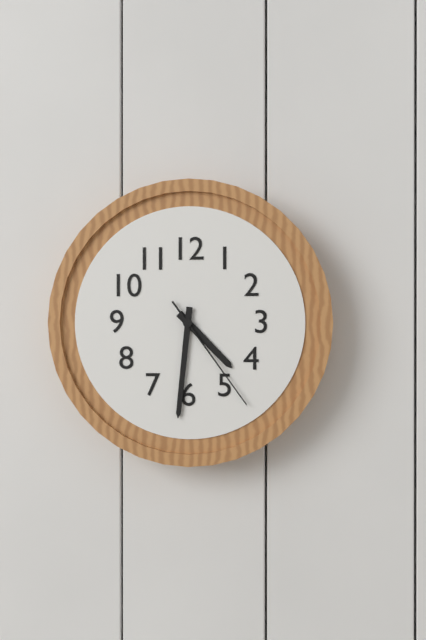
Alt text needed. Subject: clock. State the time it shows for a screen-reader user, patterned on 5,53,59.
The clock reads 4,31,24
